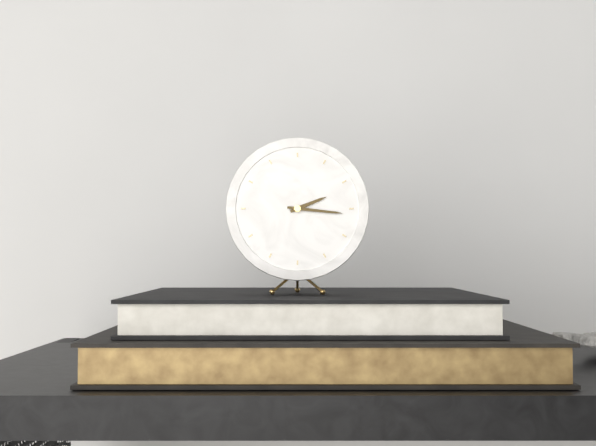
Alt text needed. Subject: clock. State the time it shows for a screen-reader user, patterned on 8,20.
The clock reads 2,16
